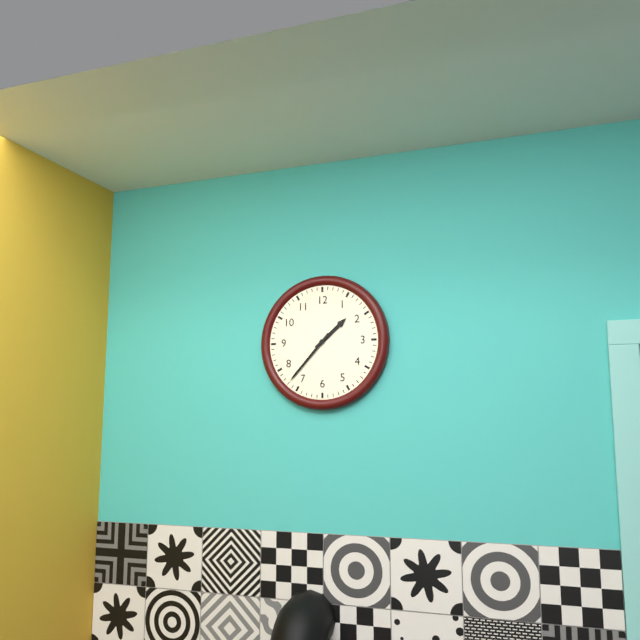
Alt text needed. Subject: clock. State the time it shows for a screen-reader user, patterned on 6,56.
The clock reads 1,37
